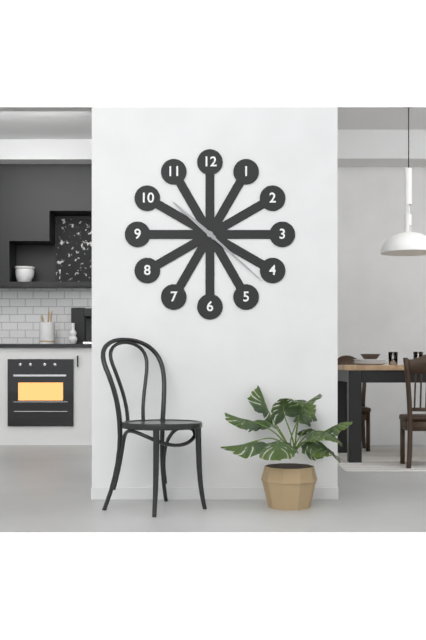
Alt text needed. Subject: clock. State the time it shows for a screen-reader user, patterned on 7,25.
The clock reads 10,22
